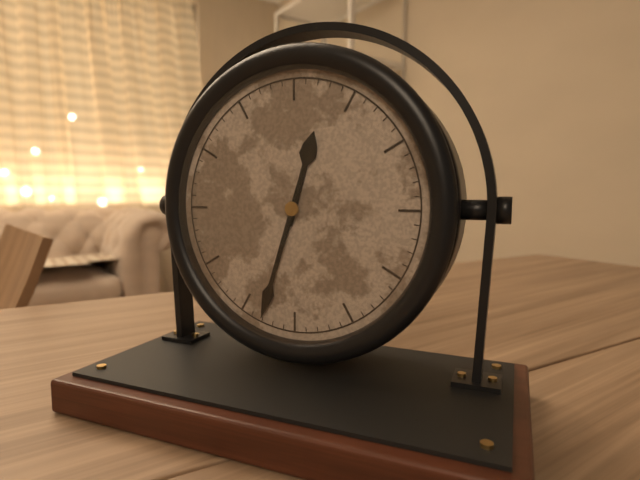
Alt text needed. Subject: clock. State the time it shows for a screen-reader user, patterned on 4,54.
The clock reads 12,33
